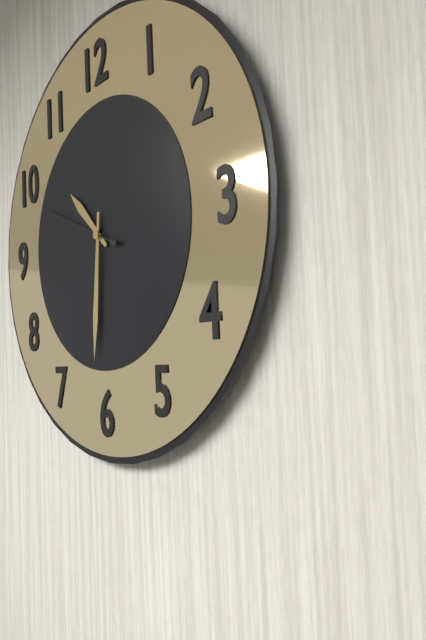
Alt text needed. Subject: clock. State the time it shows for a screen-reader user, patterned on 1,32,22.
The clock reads 10,31,49
